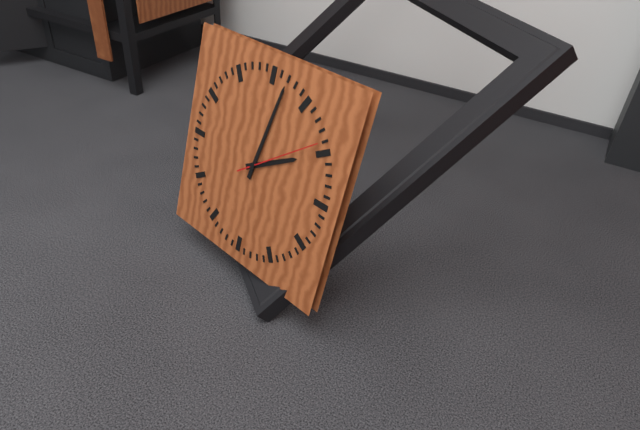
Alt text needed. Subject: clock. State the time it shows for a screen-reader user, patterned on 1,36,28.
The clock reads 2,02,09
